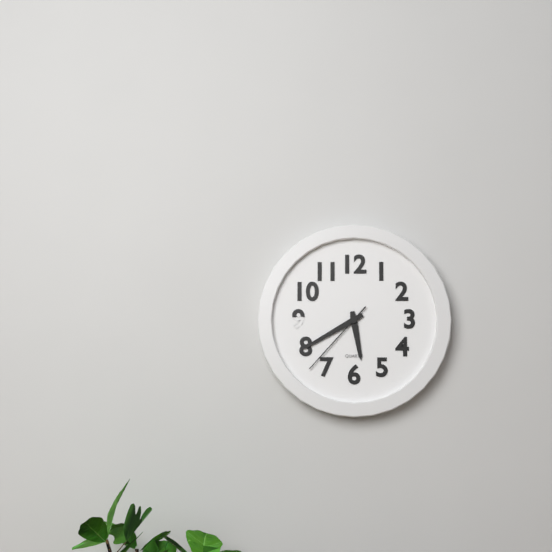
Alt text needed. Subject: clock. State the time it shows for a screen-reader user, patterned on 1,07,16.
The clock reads 5,40,37
